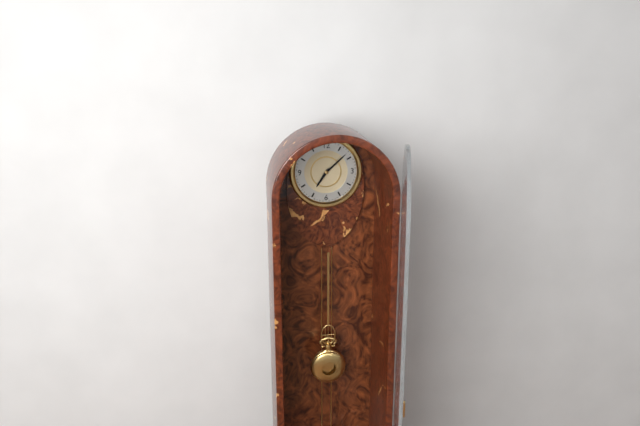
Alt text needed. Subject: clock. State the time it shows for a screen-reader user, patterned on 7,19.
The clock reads 7,08
